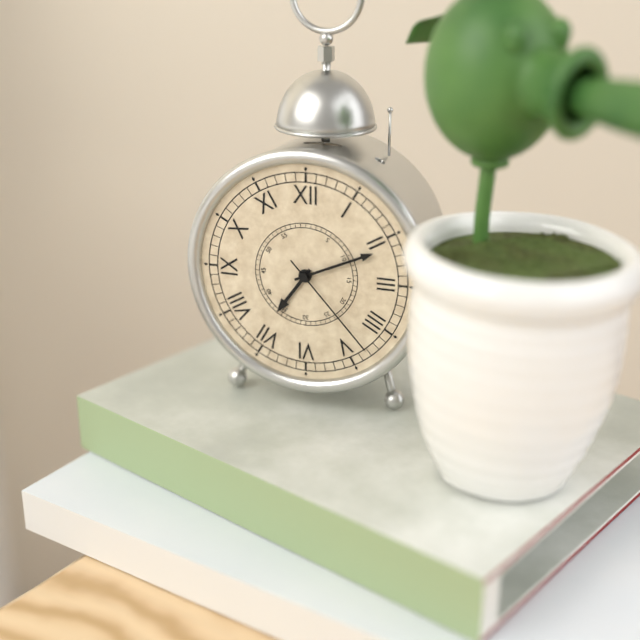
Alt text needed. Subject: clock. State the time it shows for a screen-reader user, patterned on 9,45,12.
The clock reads 7,11,23
